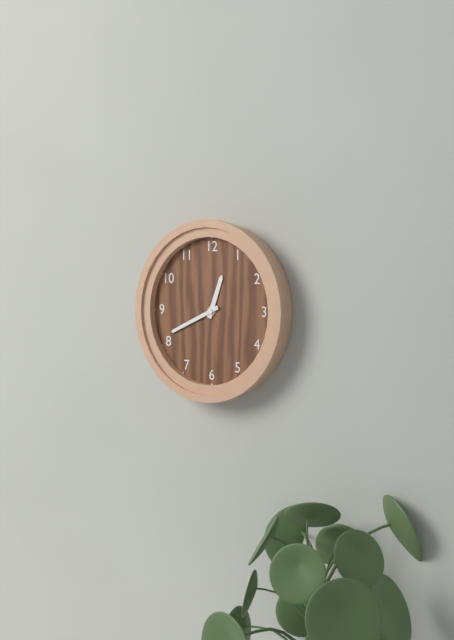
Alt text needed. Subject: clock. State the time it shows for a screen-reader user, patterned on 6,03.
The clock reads 12,41
